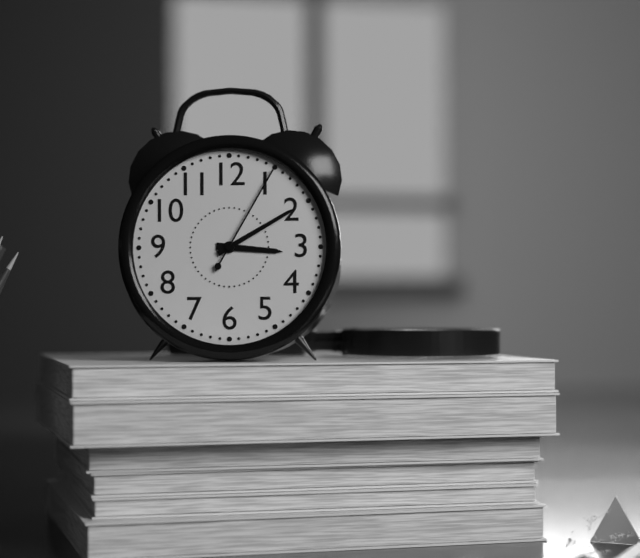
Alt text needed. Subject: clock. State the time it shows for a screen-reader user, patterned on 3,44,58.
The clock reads 3,10,05
